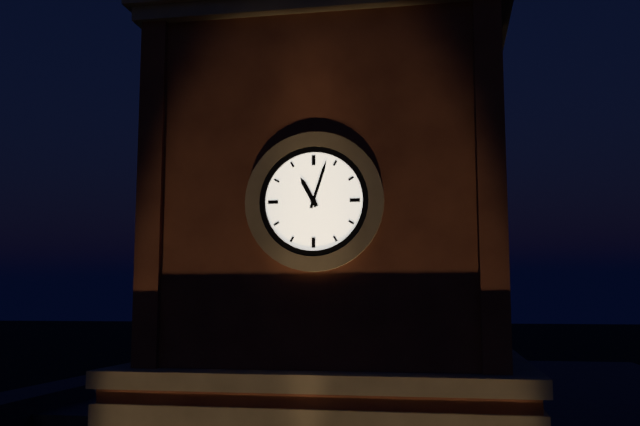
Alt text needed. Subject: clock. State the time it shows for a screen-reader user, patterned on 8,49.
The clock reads 11,03
